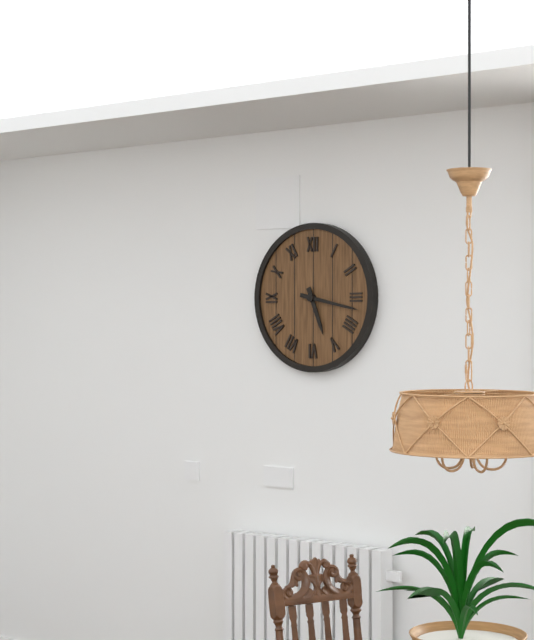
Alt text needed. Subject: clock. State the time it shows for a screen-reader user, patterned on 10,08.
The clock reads 5,17
